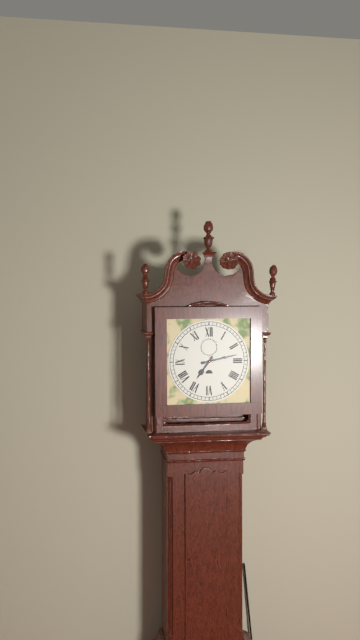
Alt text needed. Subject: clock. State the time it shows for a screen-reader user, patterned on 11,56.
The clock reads 7,13
